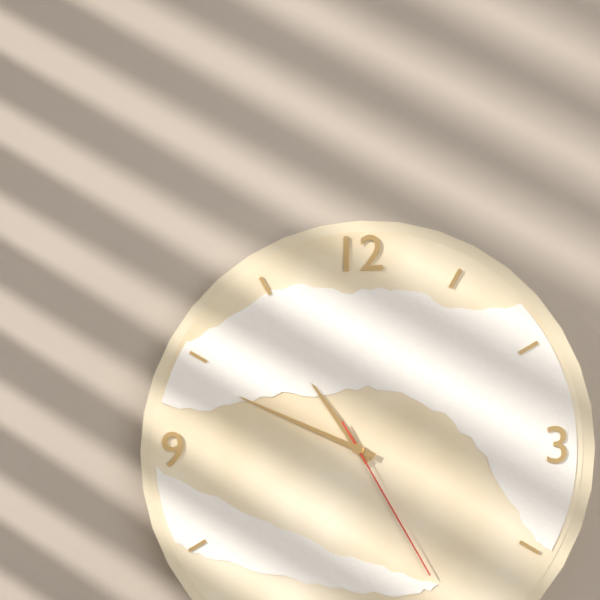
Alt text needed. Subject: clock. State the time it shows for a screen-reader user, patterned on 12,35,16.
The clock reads 10,49,25
